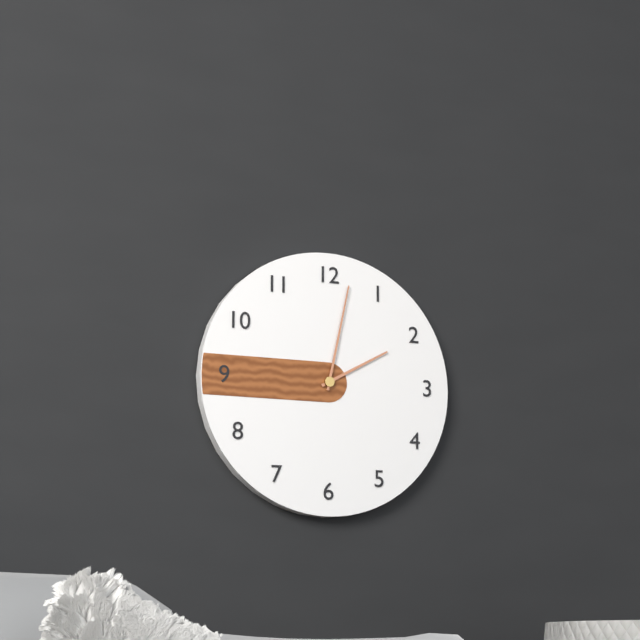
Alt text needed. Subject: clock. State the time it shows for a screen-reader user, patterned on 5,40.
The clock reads 2,02
